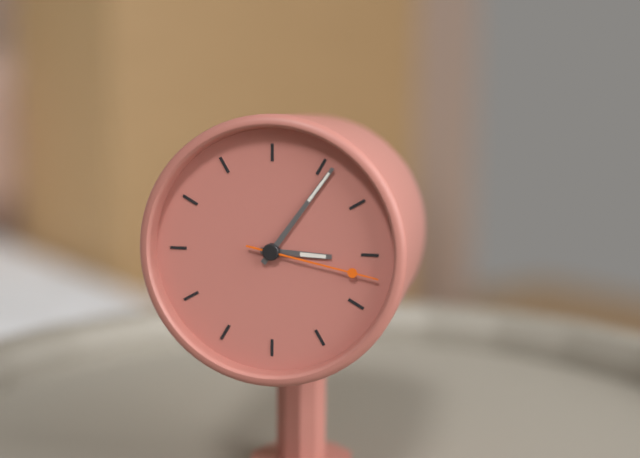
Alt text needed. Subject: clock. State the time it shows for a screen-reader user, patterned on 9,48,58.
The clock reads 3,06,17
